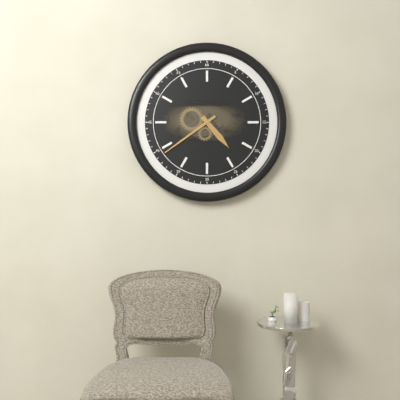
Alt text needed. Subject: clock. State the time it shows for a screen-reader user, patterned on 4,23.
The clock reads 4,39
